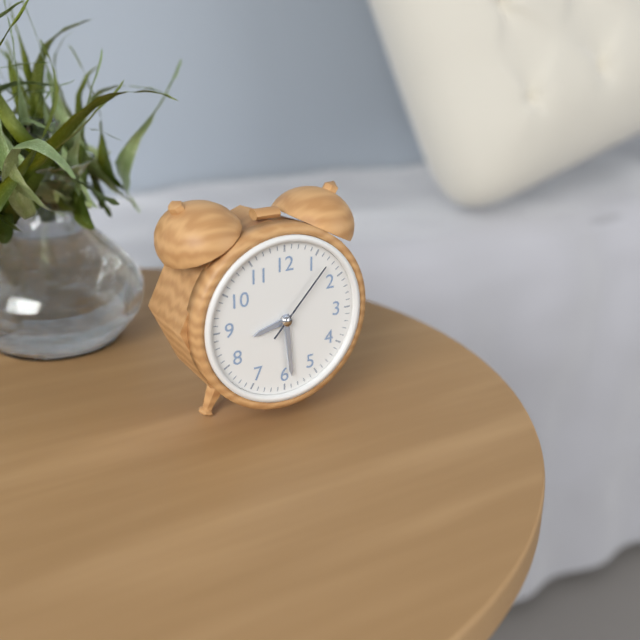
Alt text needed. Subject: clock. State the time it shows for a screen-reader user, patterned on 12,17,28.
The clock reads 8,29,07
